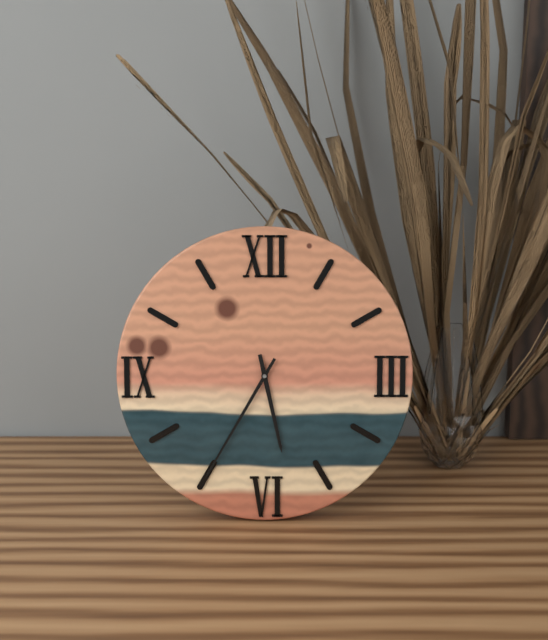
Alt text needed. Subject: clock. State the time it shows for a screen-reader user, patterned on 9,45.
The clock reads 5,35
